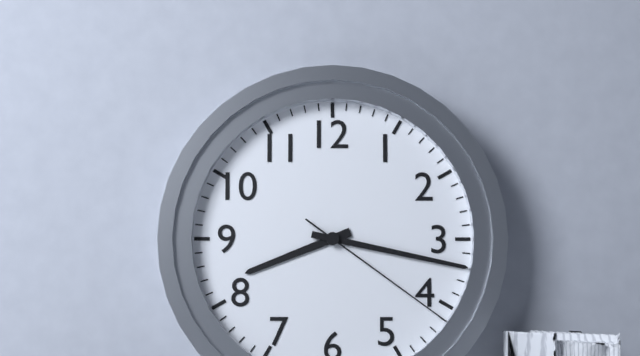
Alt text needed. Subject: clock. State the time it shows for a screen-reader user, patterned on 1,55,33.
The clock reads 8,17,21
